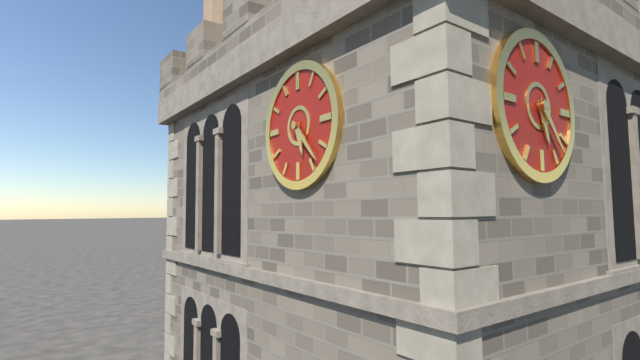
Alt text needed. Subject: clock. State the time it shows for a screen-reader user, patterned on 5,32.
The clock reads 5,23
